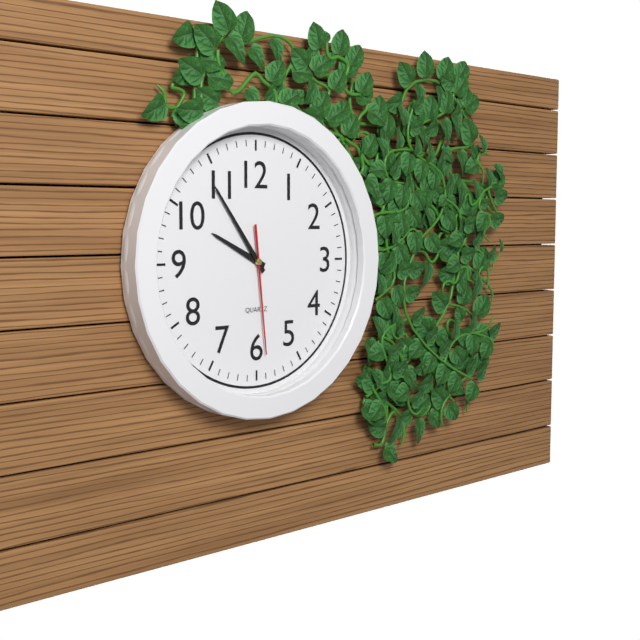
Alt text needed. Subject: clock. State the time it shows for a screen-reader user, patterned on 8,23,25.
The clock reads 9,54,29
